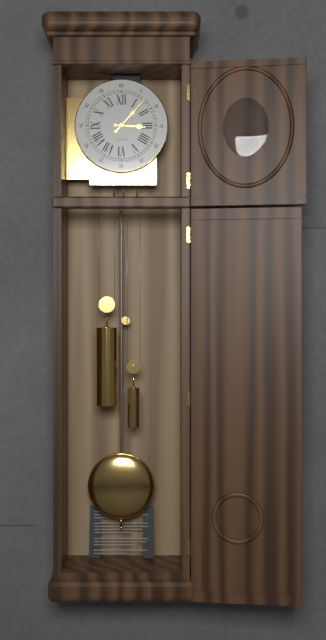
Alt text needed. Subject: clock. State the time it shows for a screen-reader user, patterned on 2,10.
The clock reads 3,07
